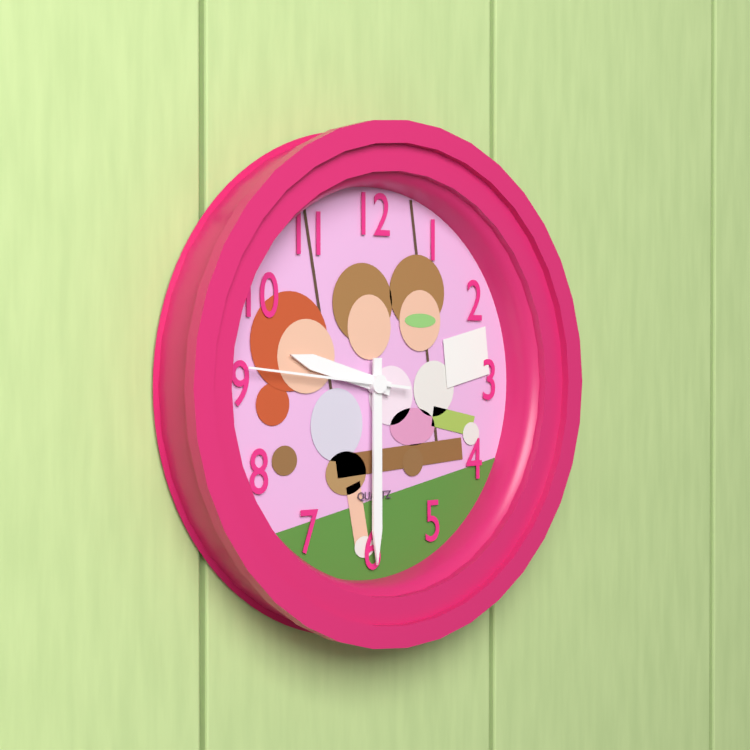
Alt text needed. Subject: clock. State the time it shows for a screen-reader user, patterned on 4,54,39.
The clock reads 9,30,46
